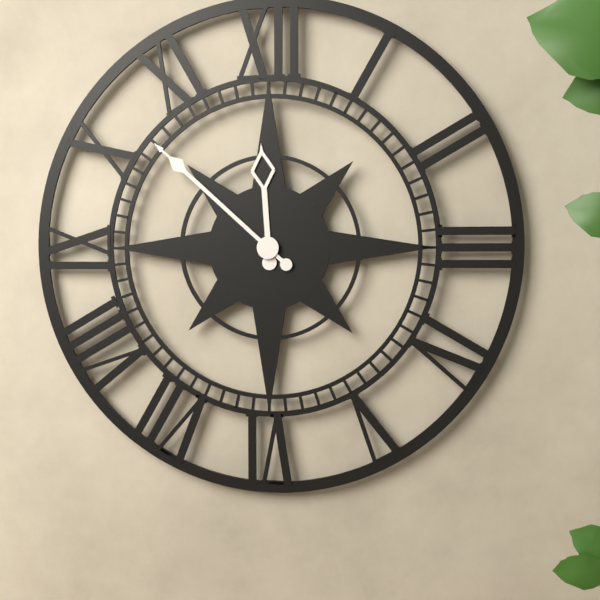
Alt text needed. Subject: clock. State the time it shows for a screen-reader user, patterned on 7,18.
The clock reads 11,52
